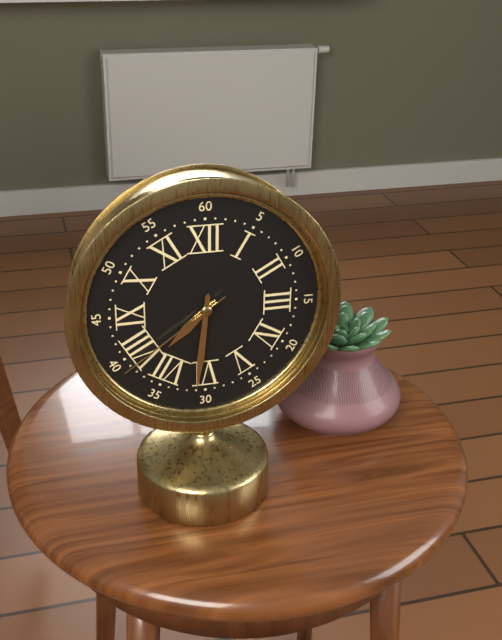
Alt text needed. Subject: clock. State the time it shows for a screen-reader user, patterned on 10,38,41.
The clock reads 7,31,39
